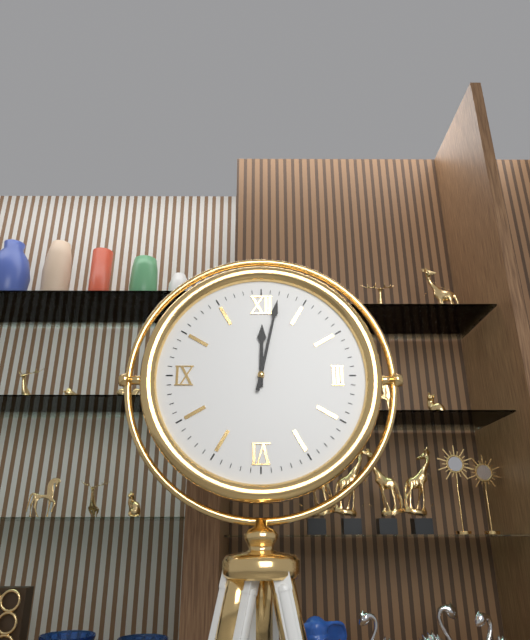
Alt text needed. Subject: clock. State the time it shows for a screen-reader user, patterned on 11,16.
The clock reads 12,02
